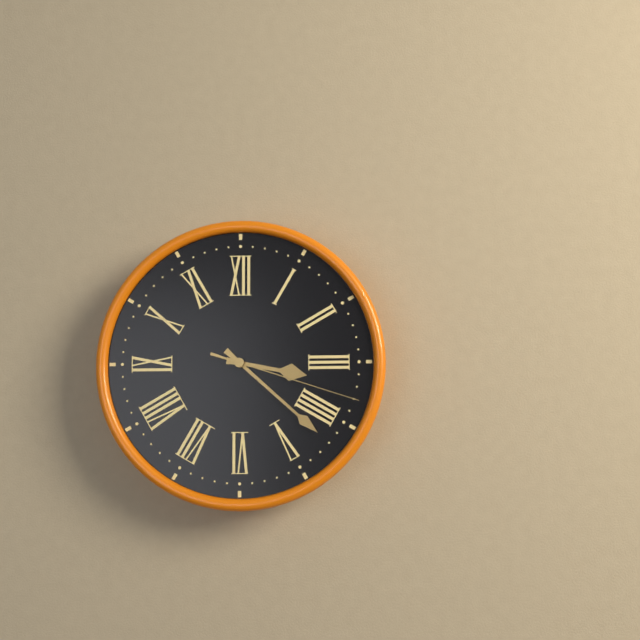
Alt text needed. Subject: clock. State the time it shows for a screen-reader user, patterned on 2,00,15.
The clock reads 3,22,18
